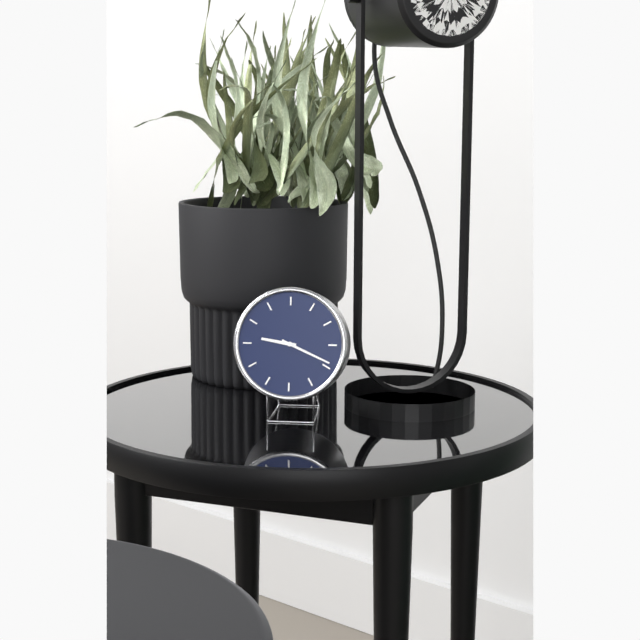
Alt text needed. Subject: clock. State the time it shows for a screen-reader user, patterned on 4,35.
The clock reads 9,19
